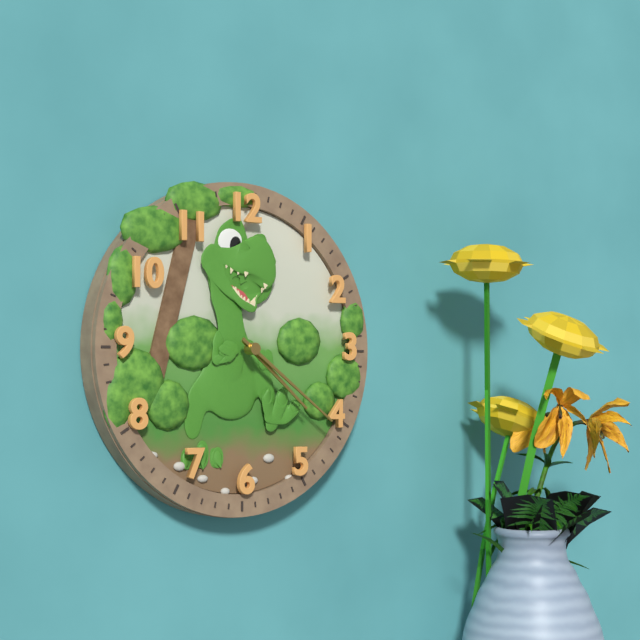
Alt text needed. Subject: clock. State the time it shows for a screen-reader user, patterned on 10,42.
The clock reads 4,21
